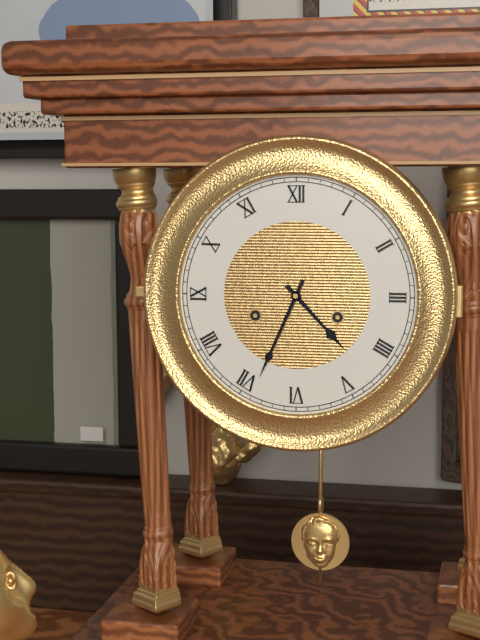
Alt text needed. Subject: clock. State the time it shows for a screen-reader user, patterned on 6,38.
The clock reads 4,34
